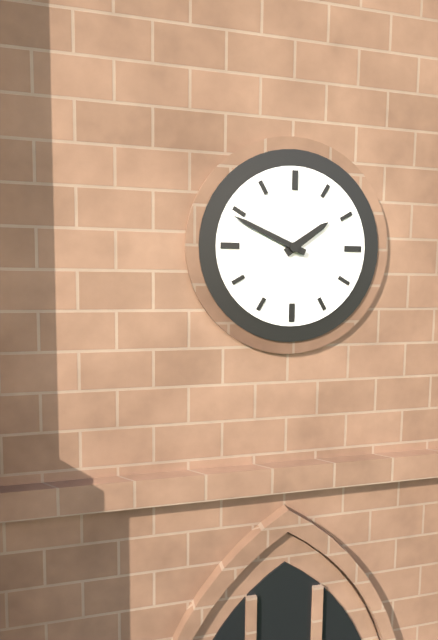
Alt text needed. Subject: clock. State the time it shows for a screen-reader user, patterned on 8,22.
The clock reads 1,49
